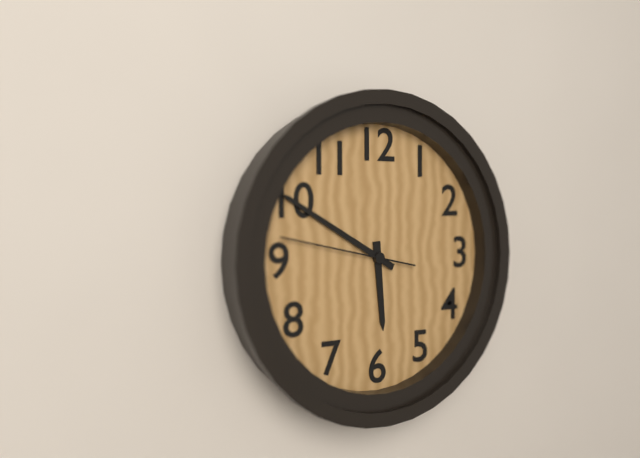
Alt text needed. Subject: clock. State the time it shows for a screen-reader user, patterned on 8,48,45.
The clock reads 5,50,47
